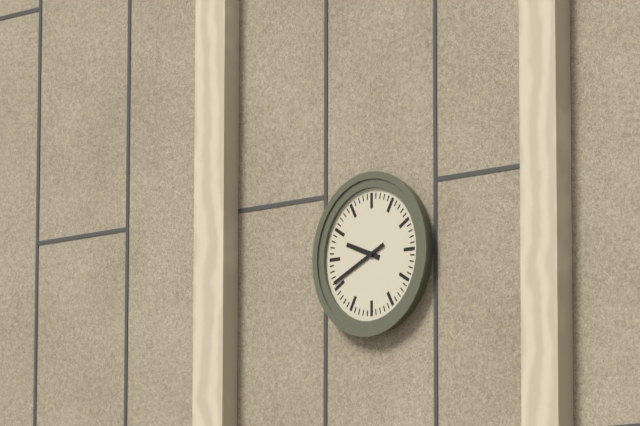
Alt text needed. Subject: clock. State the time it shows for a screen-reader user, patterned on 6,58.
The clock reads 9,41
